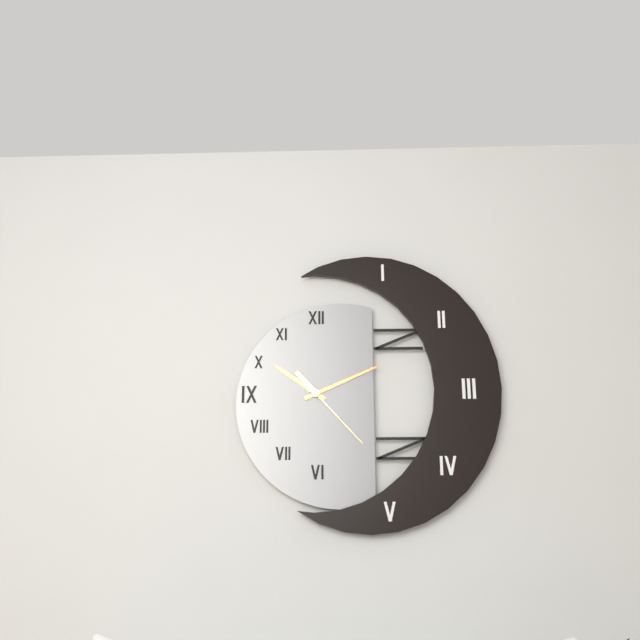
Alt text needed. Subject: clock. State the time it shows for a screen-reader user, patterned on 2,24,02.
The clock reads 10,11,23
